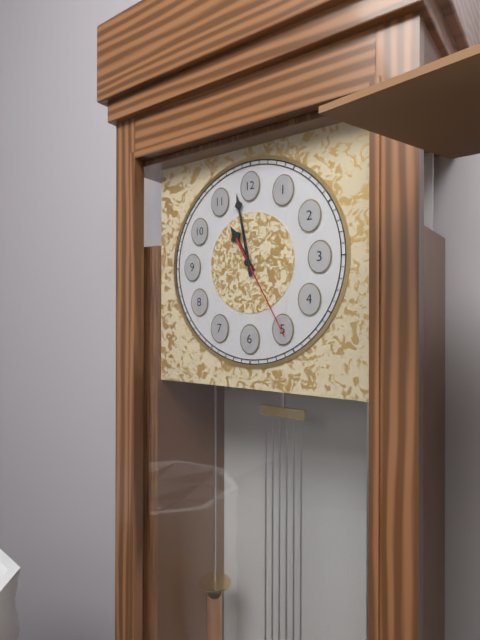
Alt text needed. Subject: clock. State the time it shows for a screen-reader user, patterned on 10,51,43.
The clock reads 10,58,25
